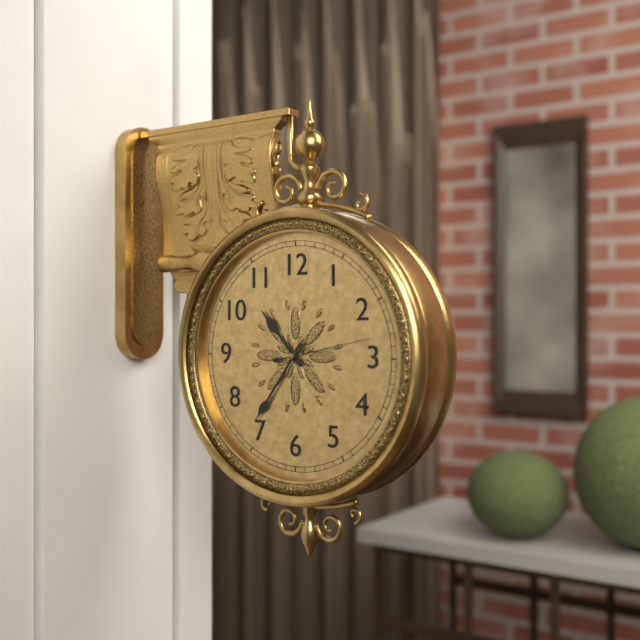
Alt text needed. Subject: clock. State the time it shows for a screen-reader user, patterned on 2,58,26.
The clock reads 10,36,13
